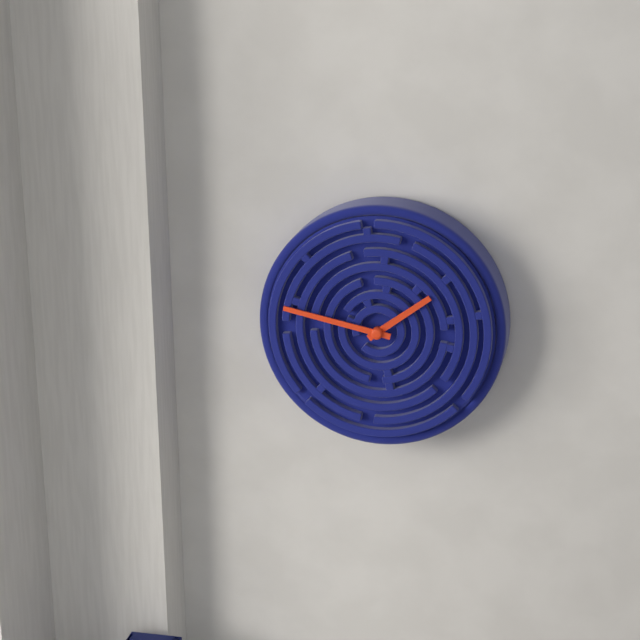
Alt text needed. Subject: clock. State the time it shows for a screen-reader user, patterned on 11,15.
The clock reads 1,47
